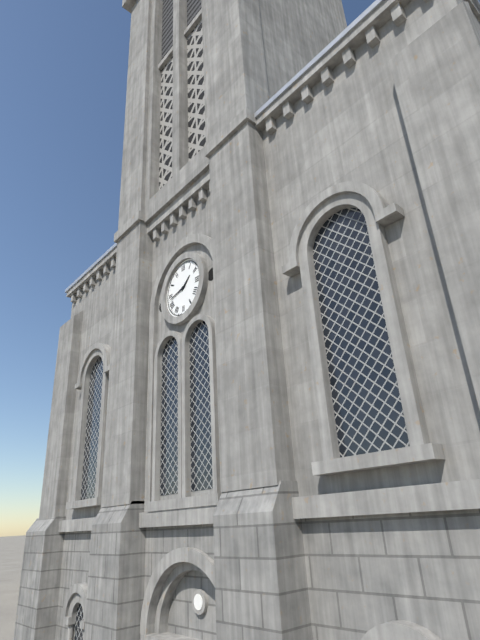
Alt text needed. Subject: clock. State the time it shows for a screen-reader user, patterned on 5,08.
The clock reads 1,43
